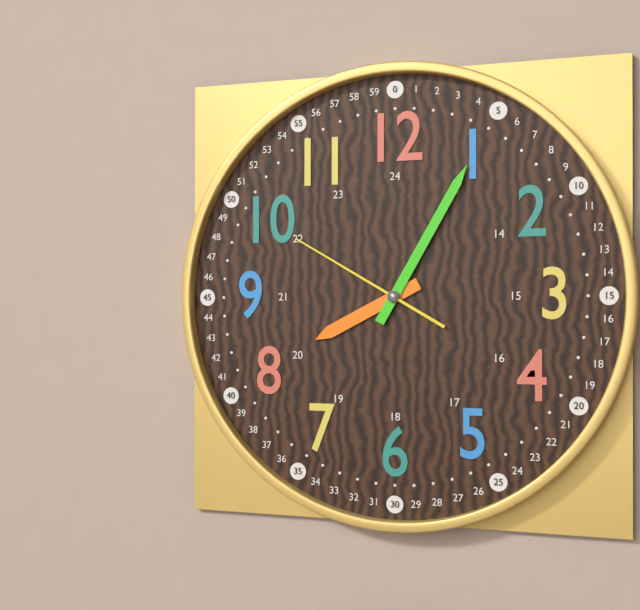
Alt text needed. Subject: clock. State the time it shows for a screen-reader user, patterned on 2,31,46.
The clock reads 8,05,50
